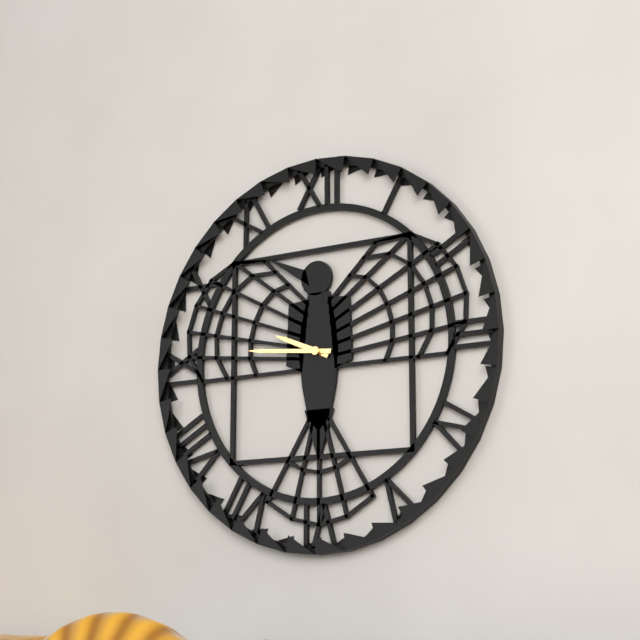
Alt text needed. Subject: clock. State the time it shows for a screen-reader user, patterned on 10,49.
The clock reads 9,46
